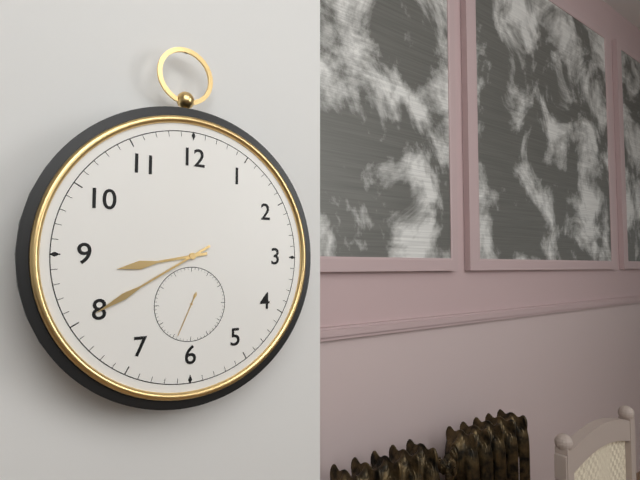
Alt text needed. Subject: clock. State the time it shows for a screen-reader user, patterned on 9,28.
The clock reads 8,40
